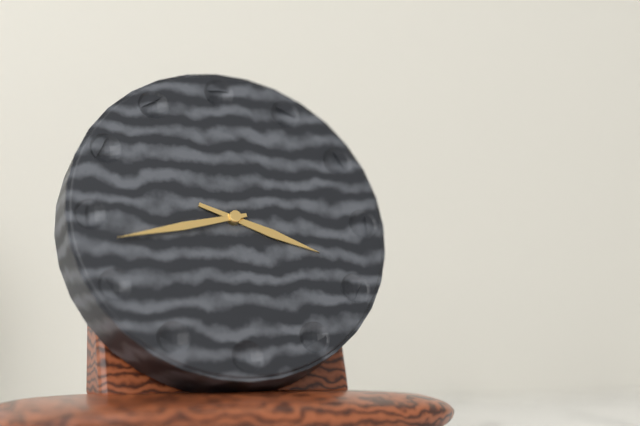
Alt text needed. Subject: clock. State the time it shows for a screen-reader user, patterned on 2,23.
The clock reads 3,43
